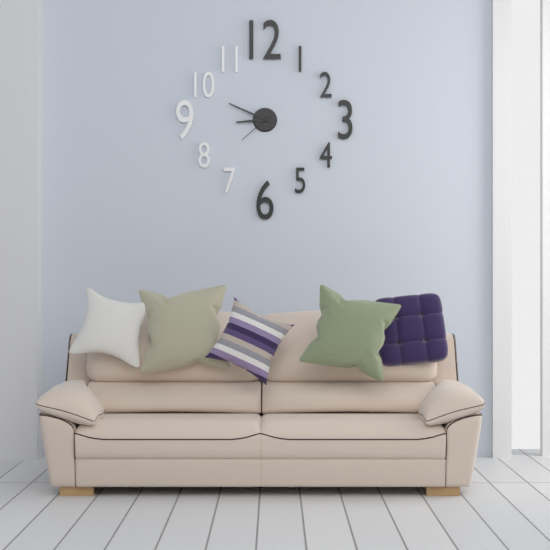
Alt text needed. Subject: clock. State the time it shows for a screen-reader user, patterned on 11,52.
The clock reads 8,49
